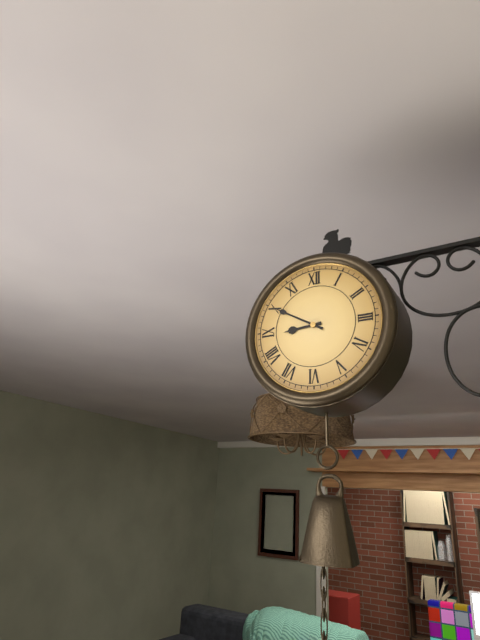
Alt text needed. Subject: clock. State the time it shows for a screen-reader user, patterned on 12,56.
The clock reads 8,50
